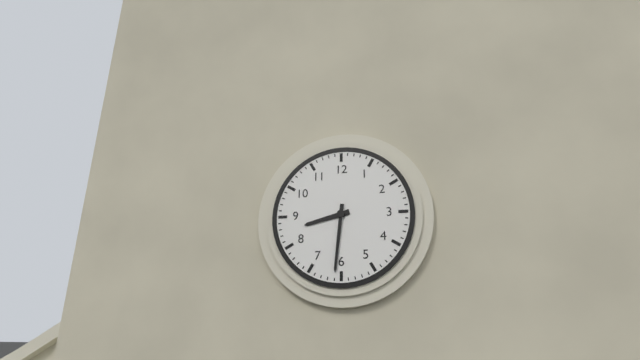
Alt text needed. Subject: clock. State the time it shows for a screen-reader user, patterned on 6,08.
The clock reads 8,31
